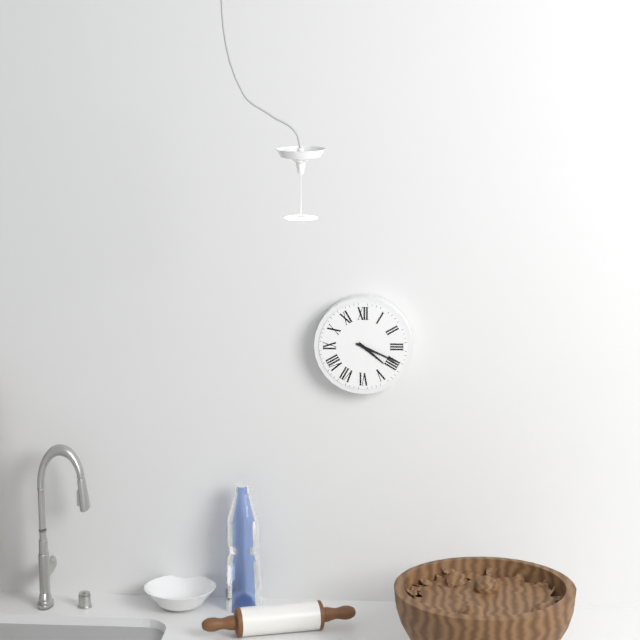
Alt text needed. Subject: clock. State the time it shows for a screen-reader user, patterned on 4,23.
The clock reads 4,19
